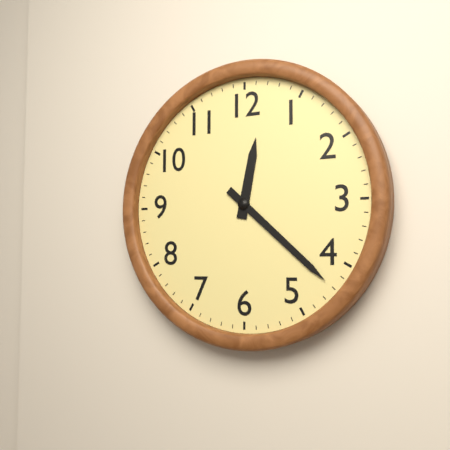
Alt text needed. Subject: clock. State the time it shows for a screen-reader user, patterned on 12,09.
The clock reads 12,22
